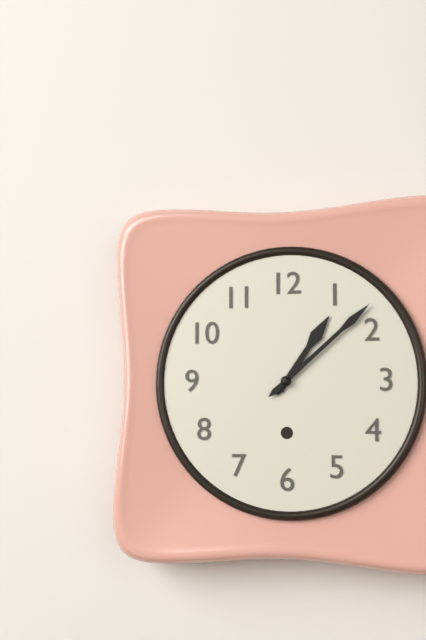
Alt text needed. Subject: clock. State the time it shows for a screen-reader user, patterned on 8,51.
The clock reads 1,08
